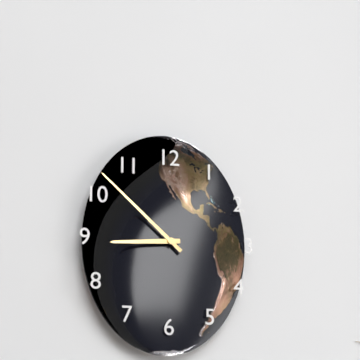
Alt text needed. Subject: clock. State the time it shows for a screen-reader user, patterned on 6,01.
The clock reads 8,52
